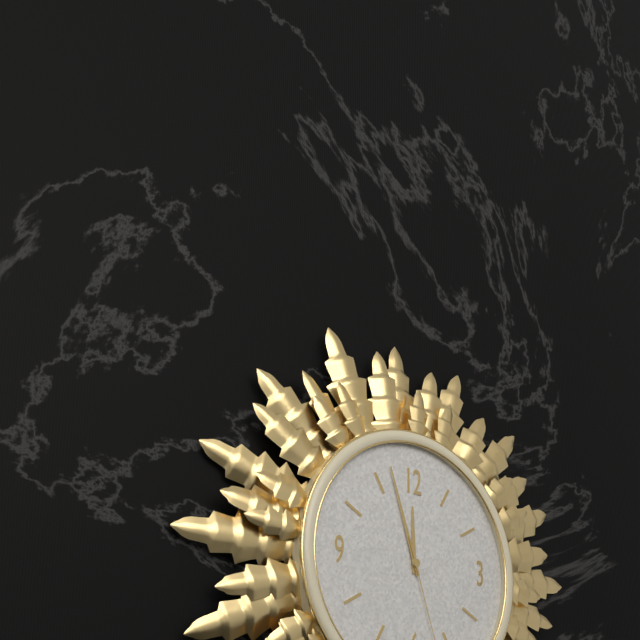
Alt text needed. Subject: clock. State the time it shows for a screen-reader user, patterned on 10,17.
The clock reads 11,57
